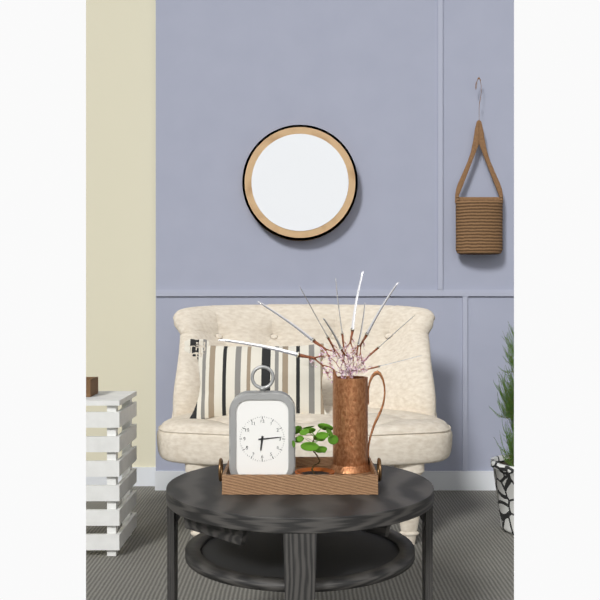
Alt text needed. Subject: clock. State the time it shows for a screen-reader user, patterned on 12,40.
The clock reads 6,14
